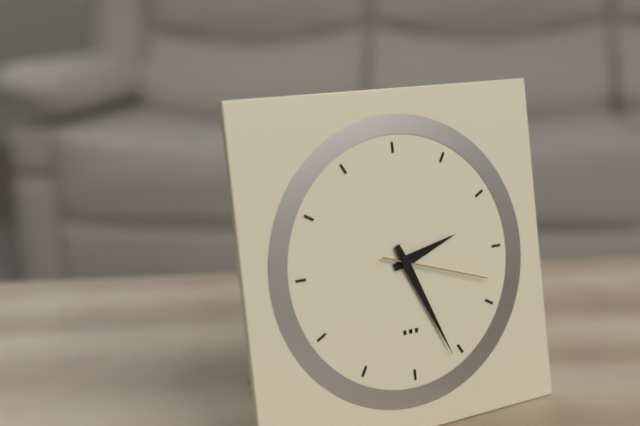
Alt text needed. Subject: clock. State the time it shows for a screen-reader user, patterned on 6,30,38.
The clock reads 2,26,18
